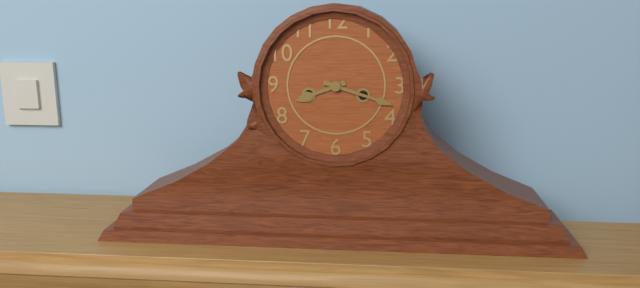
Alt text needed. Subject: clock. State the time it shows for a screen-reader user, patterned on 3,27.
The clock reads 8,18
